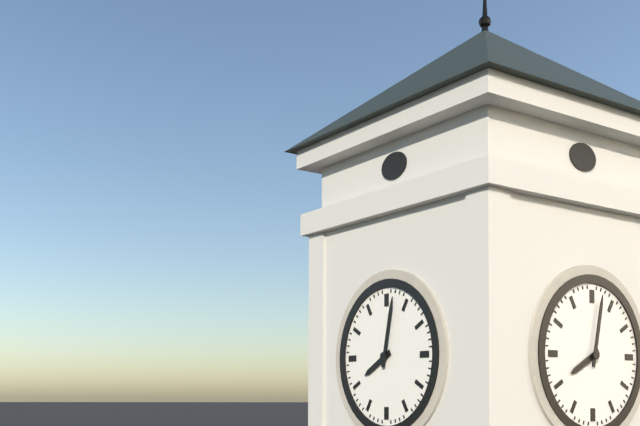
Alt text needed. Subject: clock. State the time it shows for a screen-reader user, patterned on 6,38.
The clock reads 8,02
